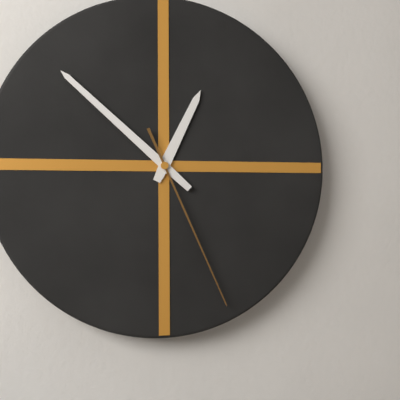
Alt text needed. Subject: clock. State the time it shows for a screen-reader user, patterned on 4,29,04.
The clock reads 12,52,26
